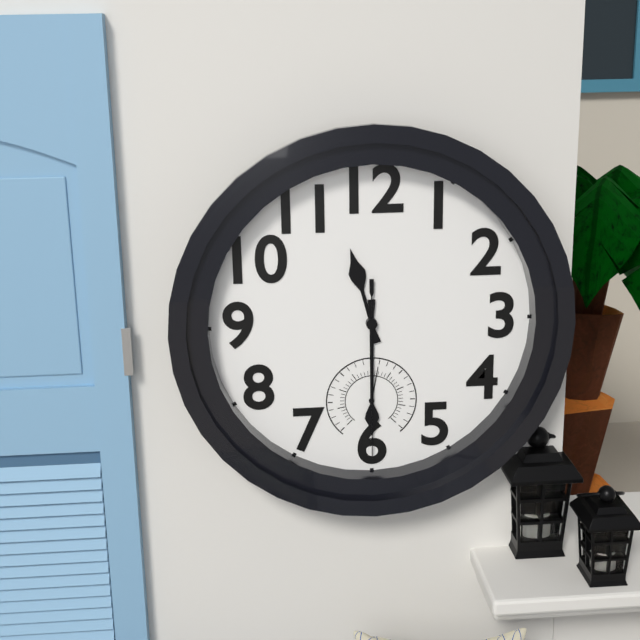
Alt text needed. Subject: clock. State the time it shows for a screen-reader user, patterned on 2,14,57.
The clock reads 11,30,30
